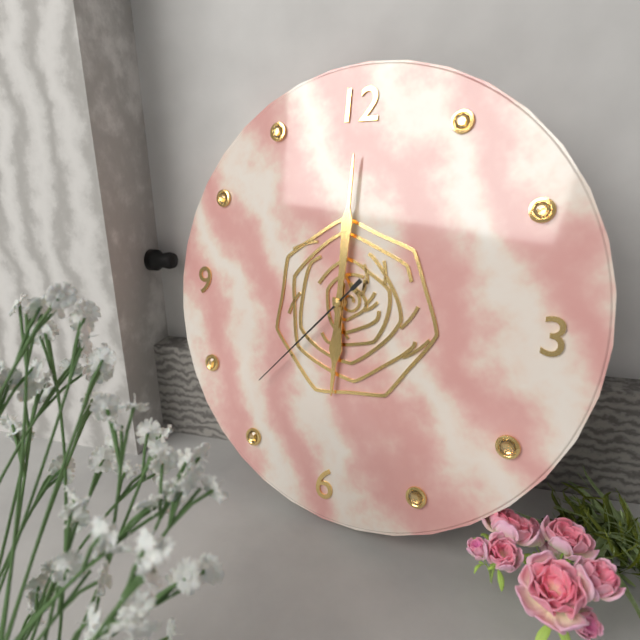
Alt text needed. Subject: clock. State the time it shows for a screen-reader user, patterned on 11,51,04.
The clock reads 6,00,37
